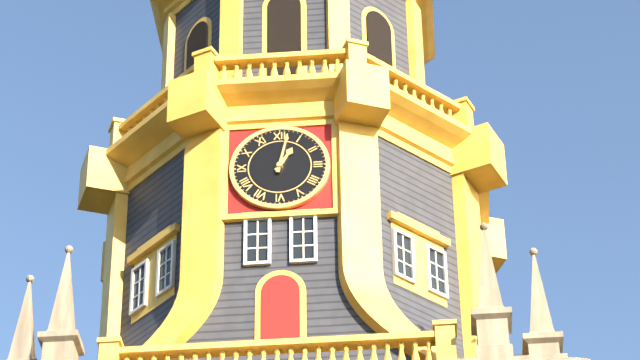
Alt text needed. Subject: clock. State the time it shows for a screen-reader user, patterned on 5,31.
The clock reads 1,02
